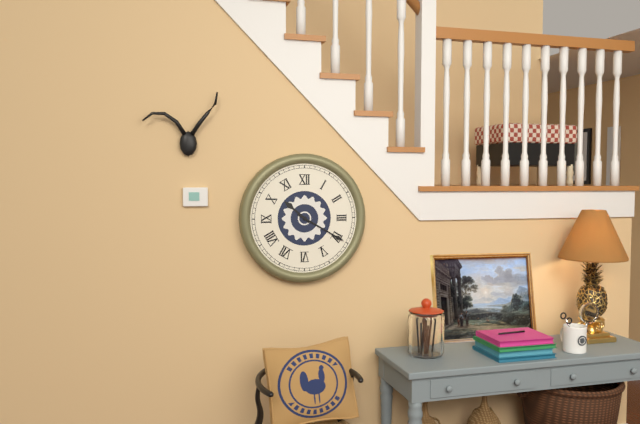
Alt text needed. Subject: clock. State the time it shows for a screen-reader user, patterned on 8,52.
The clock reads 10,20
